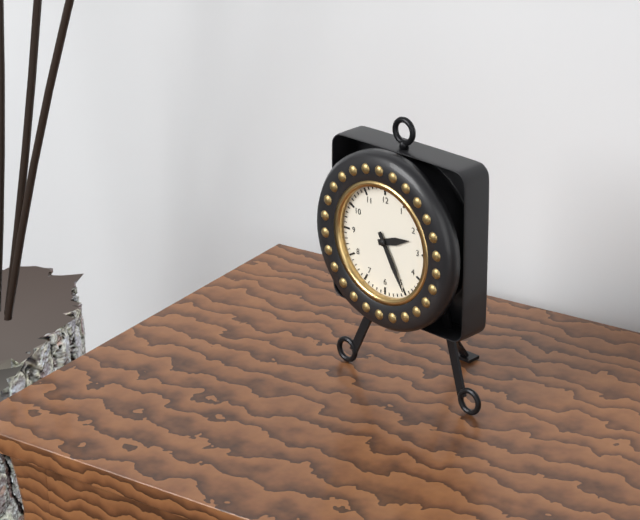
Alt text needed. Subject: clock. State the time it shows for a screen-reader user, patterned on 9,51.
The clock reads 2,25
